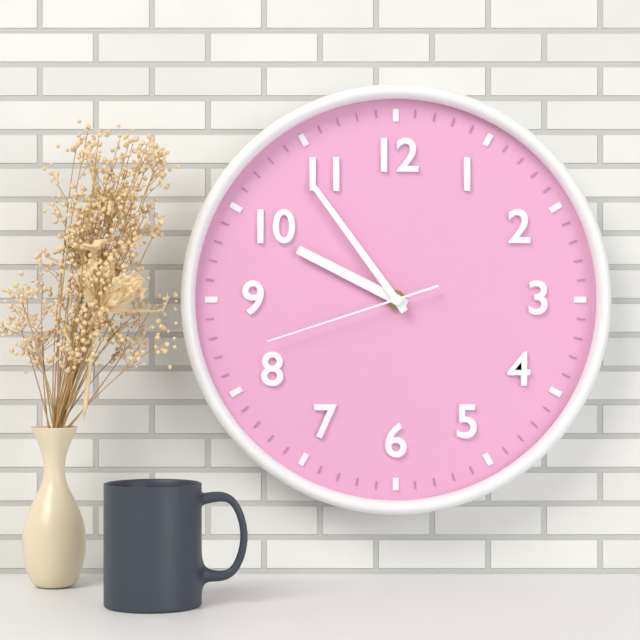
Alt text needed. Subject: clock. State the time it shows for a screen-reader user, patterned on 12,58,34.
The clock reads 9,54,42
